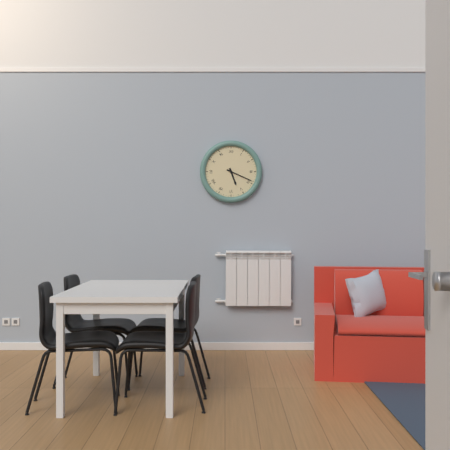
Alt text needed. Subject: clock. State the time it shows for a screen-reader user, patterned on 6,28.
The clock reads 5,19
